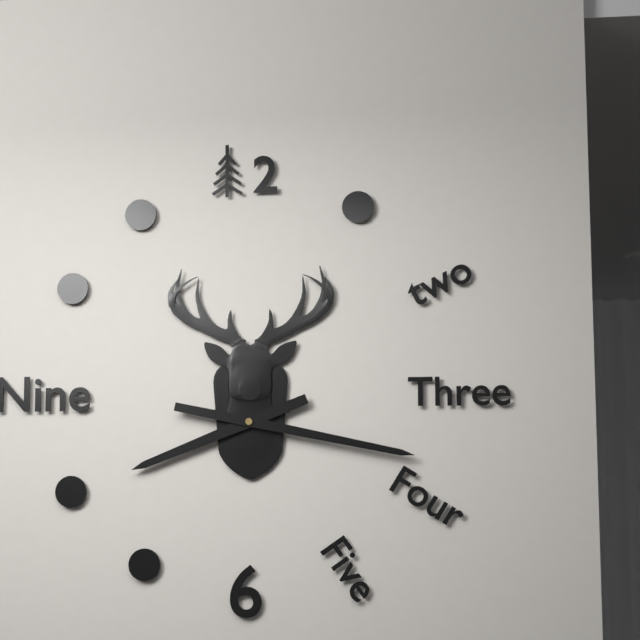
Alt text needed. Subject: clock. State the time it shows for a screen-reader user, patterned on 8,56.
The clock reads 8,17
